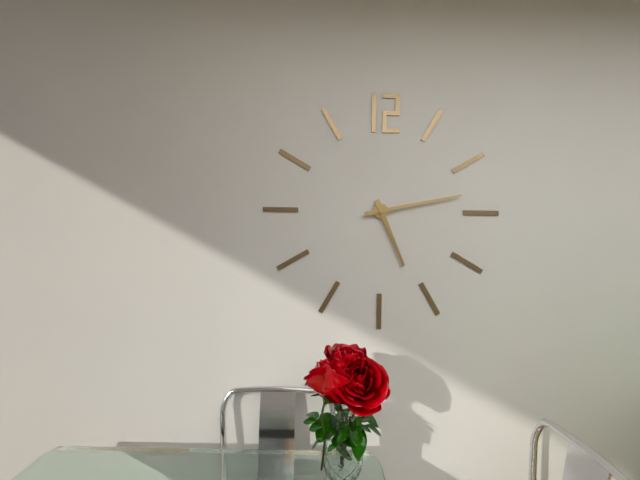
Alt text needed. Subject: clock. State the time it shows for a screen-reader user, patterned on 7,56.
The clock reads 5,13
